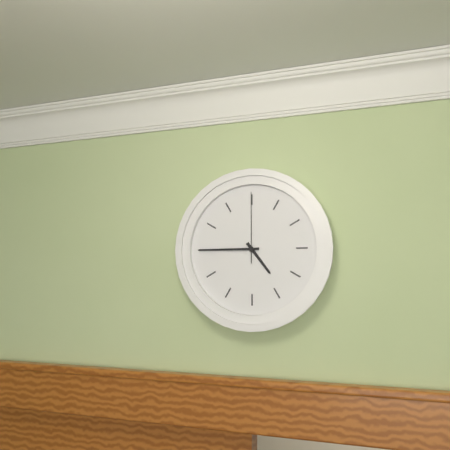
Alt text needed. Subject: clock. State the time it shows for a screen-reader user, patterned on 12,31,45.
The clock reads 4,45,00
